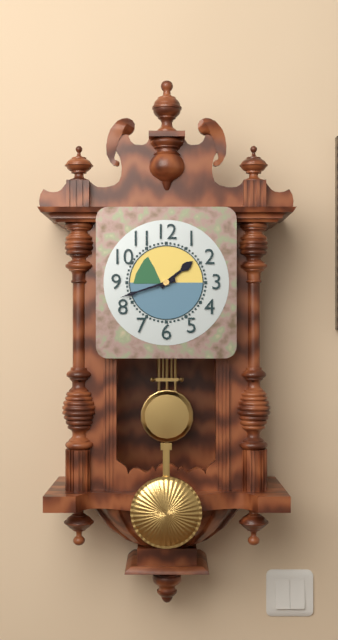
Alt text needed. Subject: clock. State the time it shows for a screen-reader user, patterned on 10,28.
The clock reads 1,42
